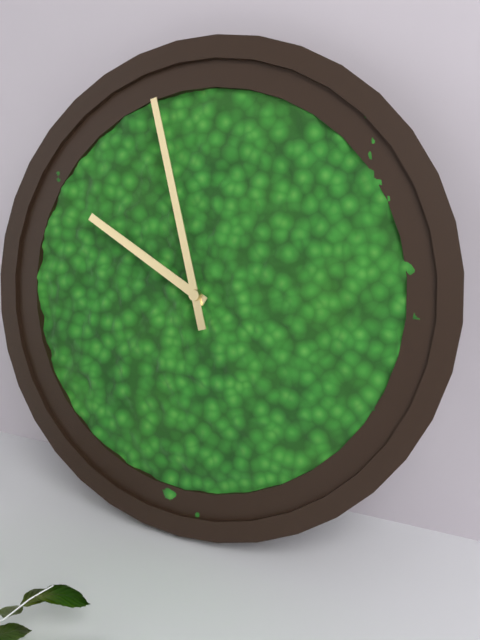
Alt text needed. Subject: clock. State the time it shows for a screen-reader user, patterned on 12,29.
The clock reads 9,57
